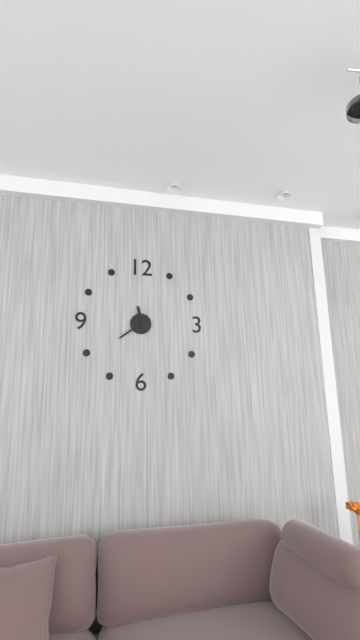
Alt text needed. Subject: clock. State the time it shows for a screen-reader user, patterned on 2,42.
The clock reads 11,39
